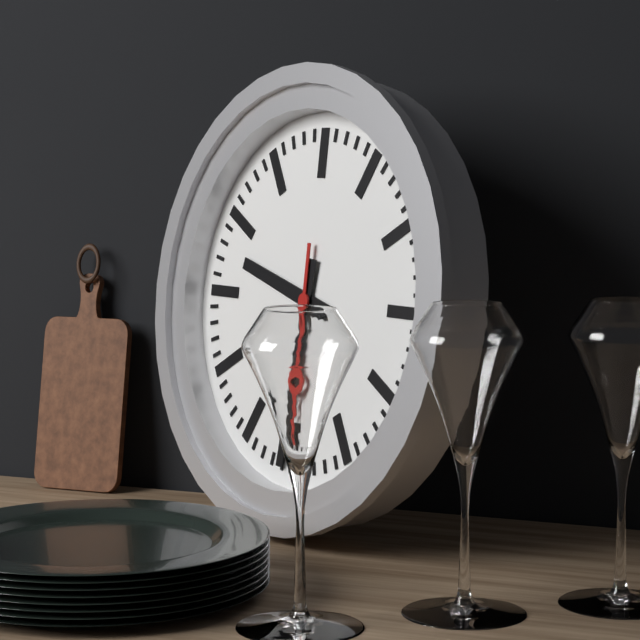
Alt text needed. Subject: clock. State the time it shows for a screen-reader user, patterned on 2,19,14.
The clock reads 9,31,30
